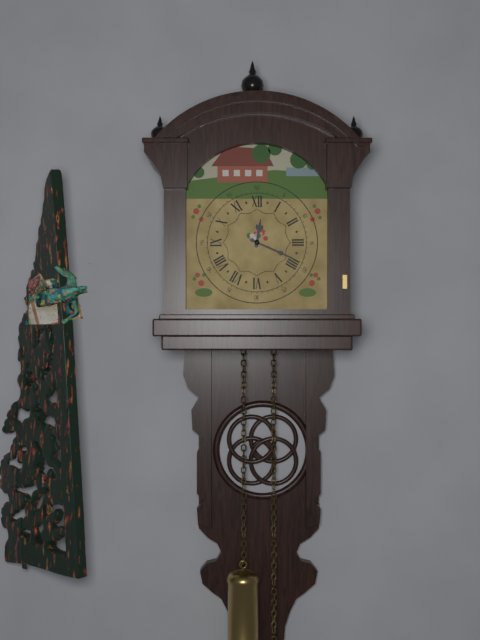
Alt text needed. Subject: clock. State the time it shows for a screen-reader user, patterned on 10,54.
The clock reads 12,19
